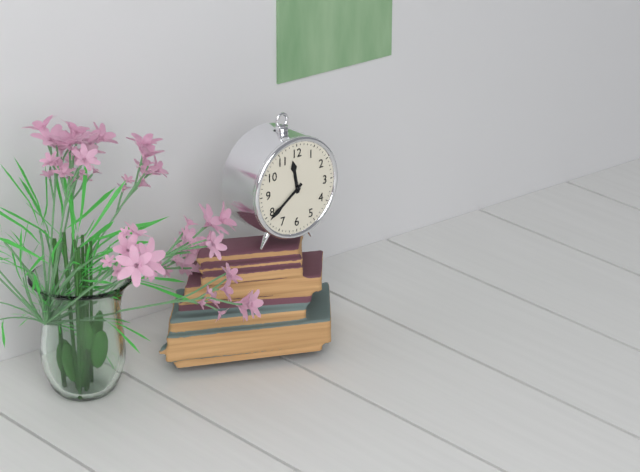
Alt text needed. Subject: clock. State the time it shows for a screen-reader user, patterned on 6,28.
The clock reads 11,39
